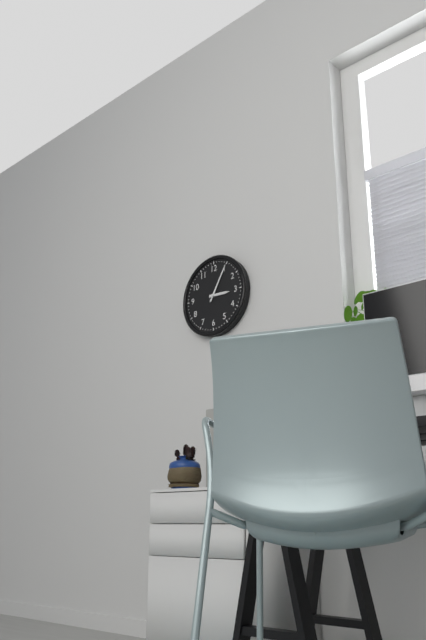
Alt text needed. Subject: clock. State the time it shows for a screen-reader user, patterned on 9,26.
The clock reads 3,05
